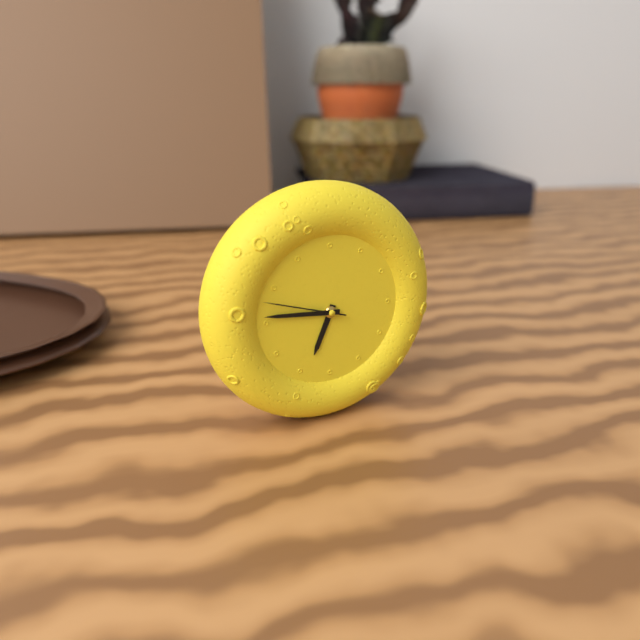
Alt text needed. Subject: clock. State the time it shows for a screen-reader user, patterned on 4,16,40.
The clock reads 6,46,48
